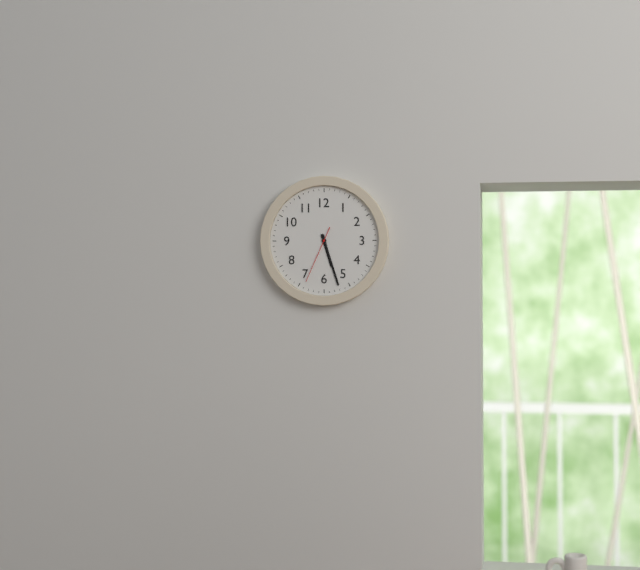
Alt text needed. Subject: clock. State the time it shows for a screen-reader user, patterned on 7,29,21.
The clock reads 5,27,34
